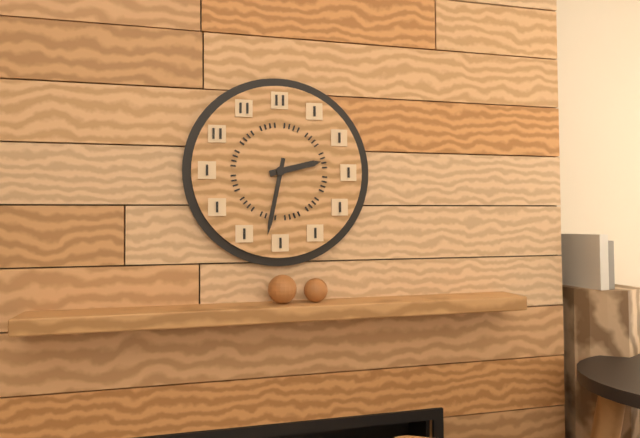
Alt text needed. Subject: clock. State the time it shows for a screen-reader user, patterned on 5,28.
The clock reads 2,32
